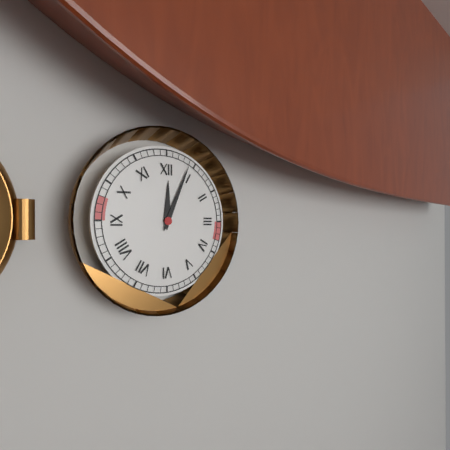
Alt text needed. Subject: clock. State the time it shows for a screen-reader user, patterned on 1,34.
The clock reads 12,04
